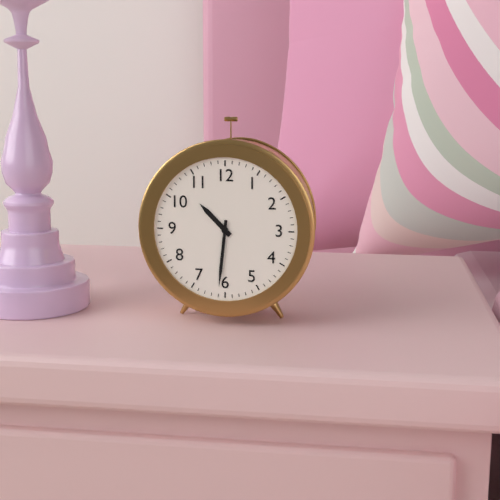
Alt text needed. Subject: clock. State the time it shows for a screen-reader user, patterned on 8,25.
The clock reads 10,31
